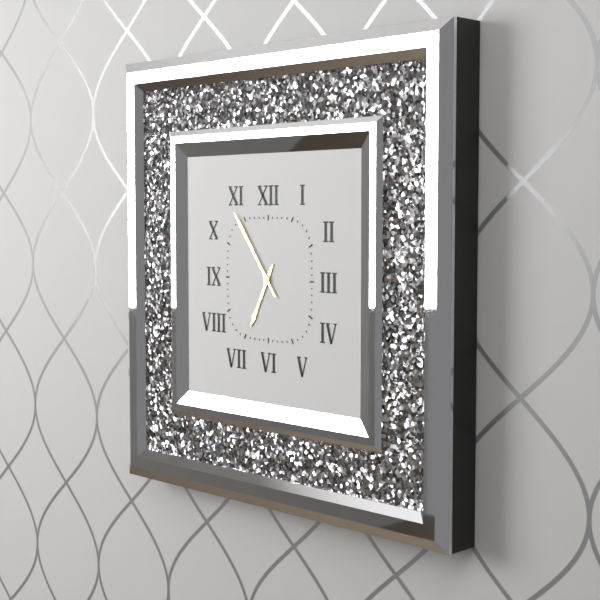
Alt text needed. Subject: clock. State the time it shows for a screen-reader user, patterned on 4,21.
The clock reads 6,54
